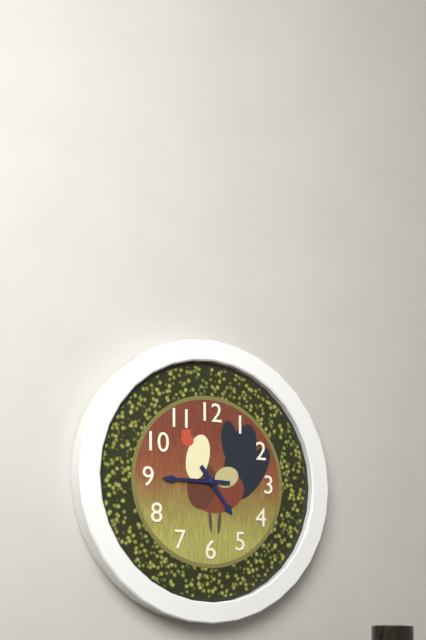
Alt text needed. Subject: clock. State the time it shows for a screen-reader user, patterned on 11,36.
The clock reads 4,45
